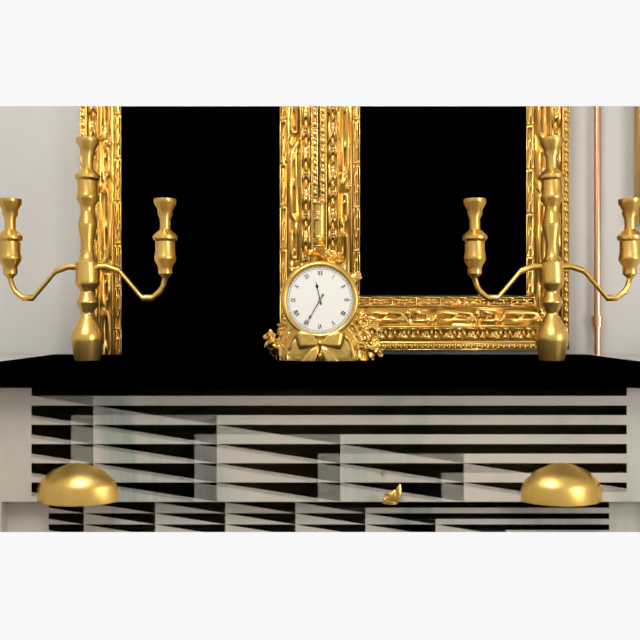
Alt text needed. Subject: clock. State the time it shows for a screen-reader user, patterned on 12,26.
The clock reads 11,35
